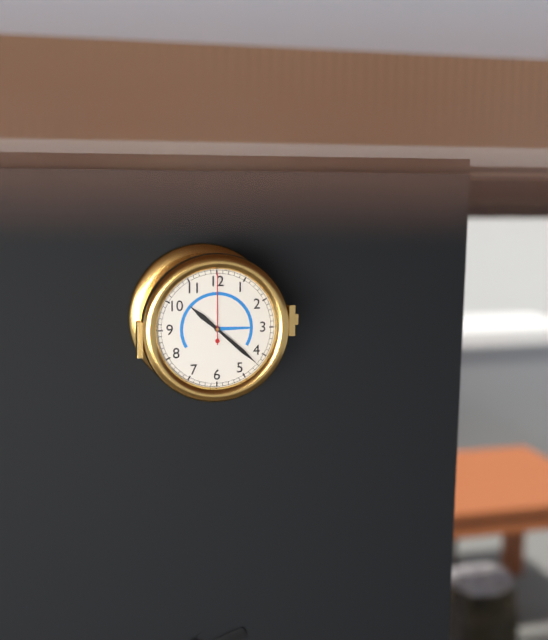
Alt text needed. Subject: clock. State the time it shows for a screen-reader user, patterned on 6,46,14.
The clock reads 10,22,00
